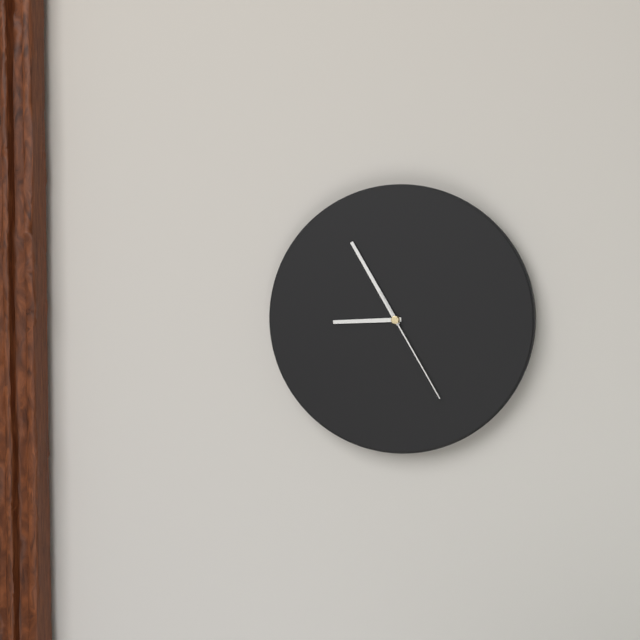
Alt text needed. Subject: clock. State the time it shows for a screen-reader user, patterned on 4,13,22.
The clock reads 8,55,25
